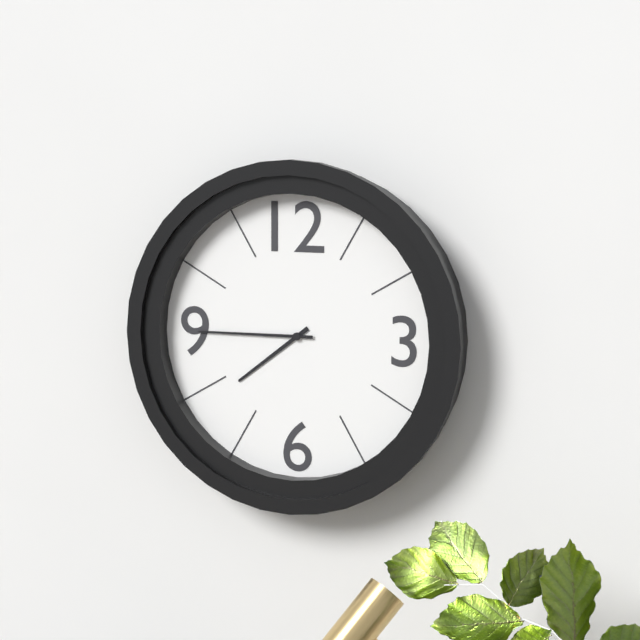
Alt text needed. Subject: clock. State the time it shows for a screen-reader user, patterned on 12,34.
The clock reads 7,45
